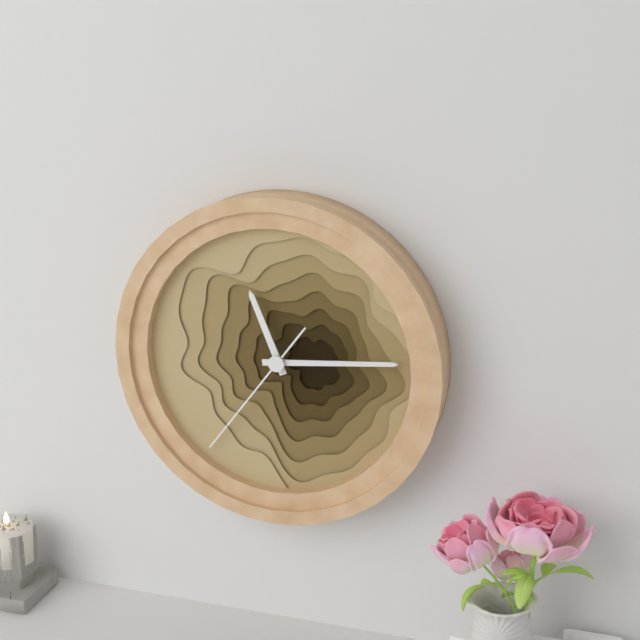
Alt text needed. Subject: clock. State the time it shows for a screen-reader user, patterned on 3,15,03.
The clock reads 11,14,36
